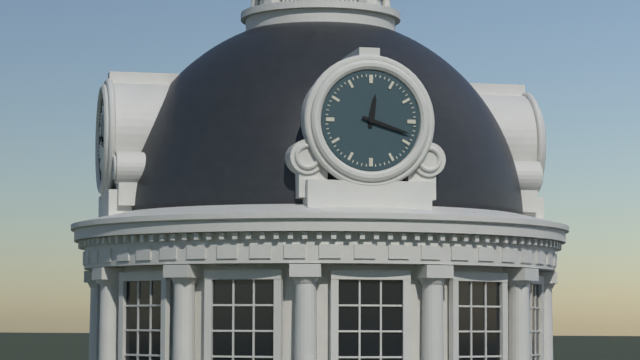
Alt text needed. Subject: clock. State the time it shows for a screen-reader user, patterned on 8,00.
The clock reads 12,18
